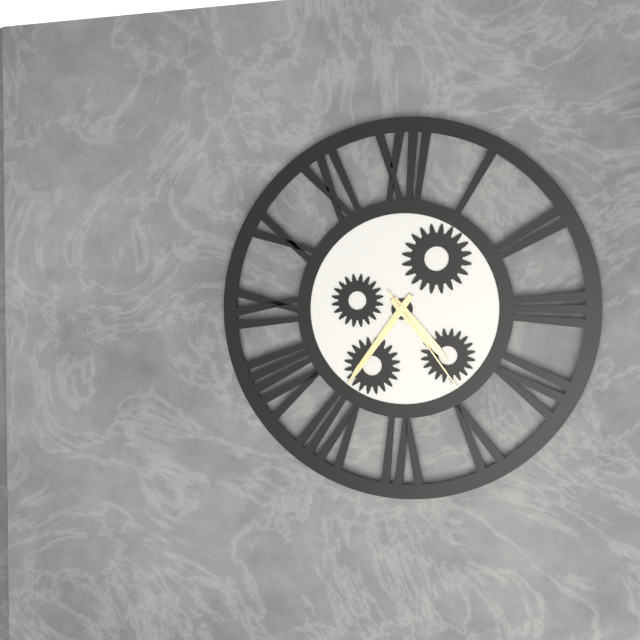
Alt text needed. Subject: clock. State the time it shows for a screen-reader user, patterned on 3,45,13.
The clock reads 4,36,24
